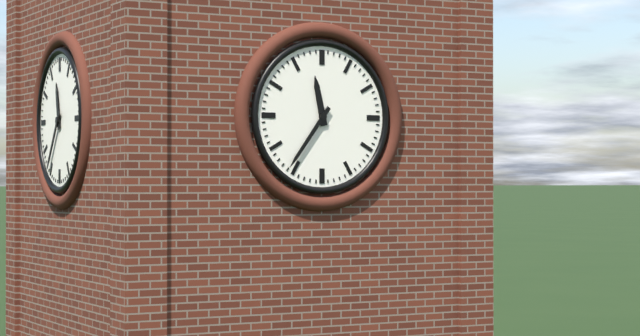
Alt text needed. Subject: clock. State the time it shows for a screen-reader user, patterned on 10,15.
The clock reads 11,36
